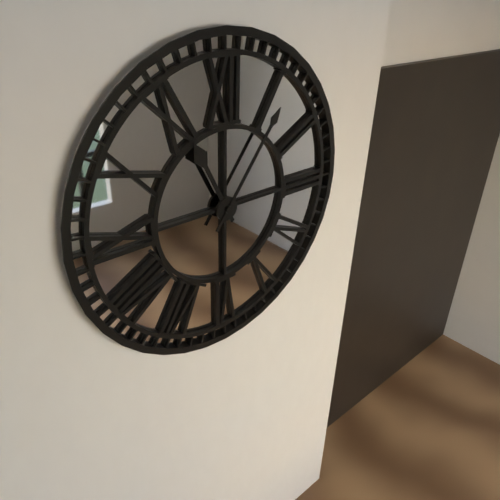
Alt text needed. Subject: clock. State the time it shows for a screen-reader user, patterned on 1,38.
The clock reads 11,06
